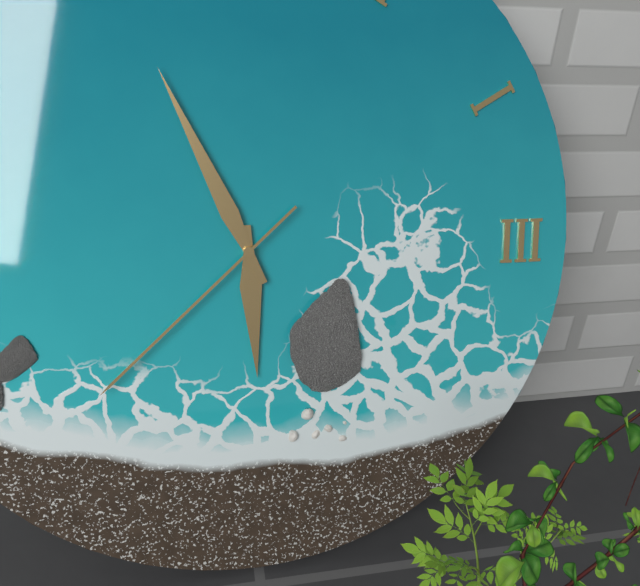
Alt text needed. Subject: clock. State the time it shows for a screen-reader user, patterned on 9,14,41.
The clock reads 5,56,38
